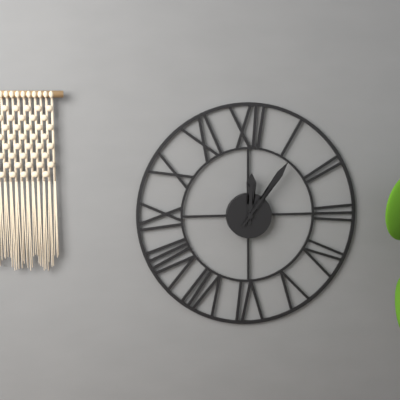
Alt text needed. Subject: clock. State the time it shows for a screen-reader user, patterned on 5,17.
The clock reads 12,06
